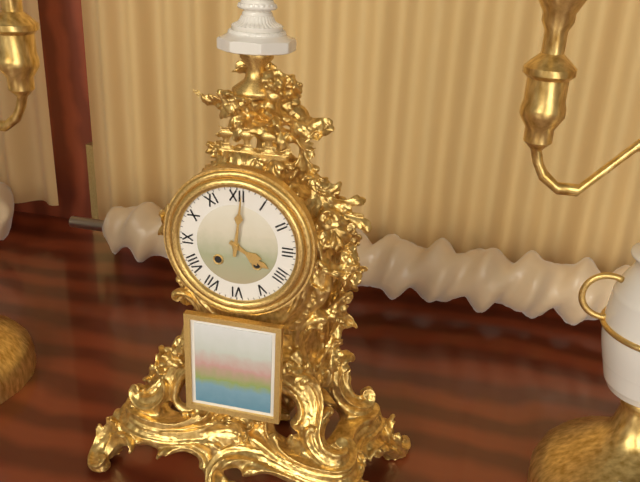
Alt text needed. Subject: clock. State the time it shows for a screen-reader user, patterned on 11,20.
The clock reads 4,01
